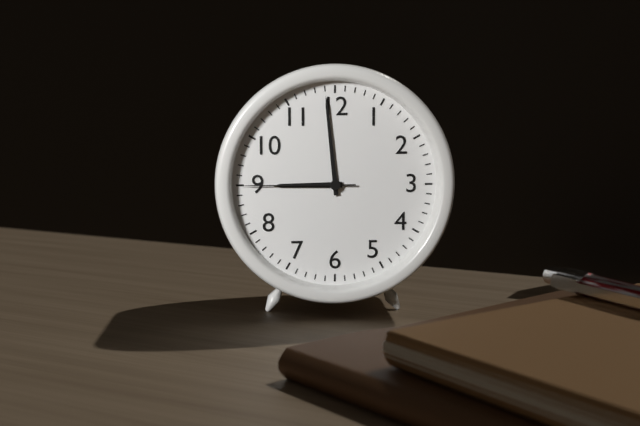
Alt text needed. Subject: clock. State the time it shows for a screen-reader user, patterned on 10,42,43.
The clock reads 8,59,45
